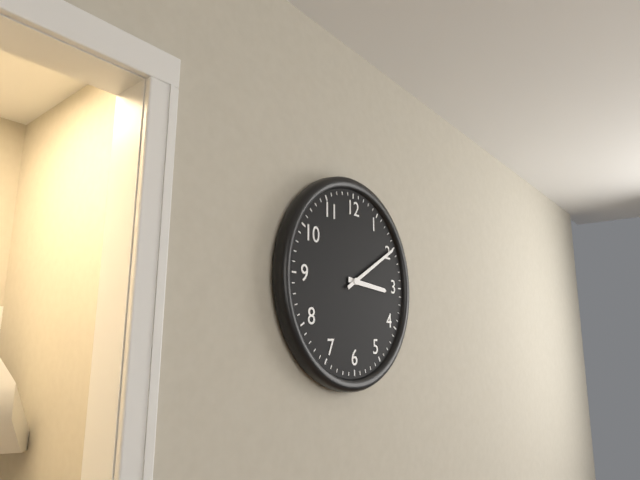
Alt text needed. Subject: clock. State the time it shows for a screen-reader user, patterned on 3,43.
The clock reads 3,10
